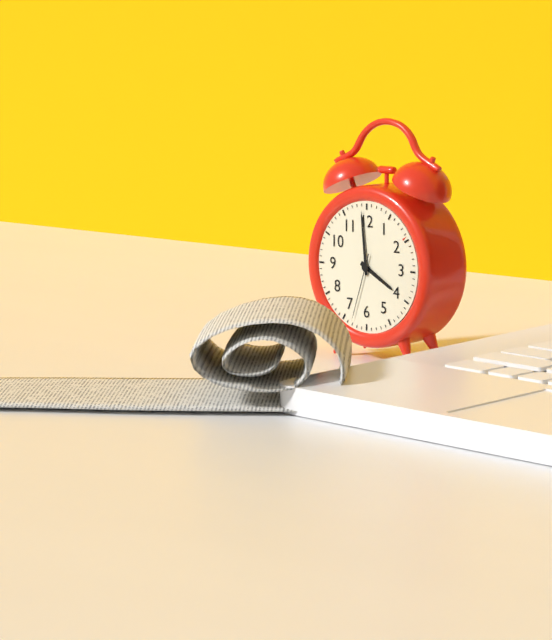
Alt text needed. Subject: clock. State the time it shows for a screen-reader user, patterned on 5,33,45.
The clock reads 3,59,33
